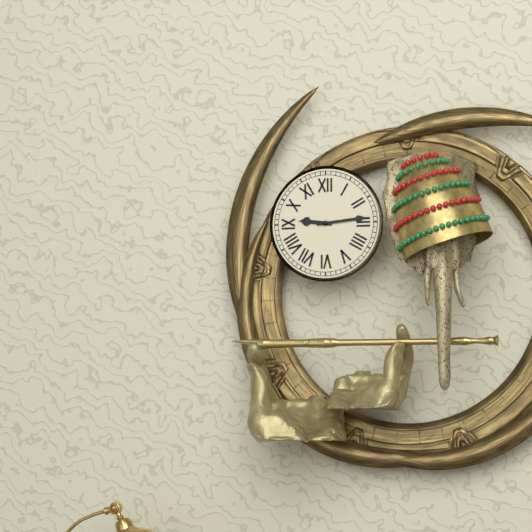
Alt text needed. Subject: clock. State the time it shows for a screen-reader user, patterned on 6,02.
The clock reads 9,14
